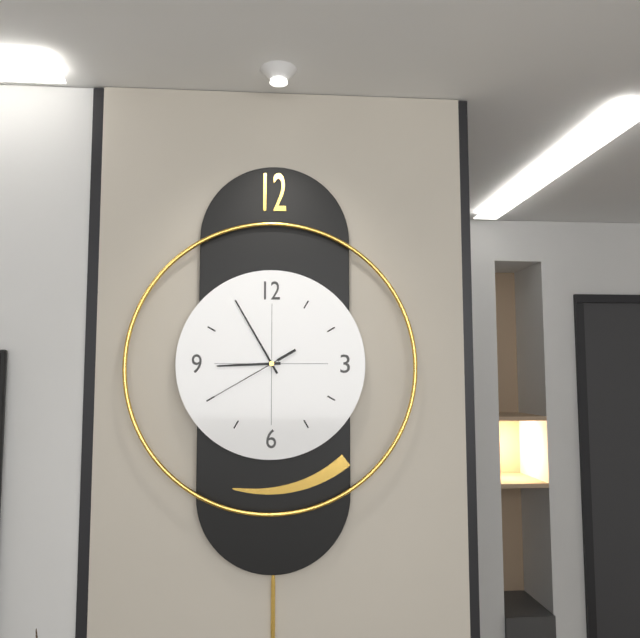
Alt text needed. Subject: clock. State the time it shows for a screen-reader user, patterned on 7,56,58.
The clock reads 8,55,40
